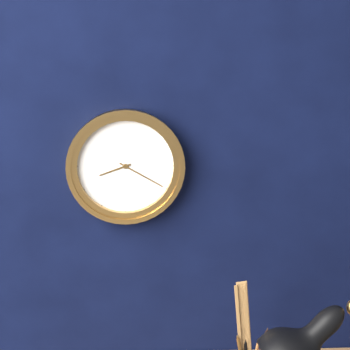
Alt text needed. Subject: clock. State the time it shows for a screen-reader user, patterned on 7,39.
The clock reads 8,20
